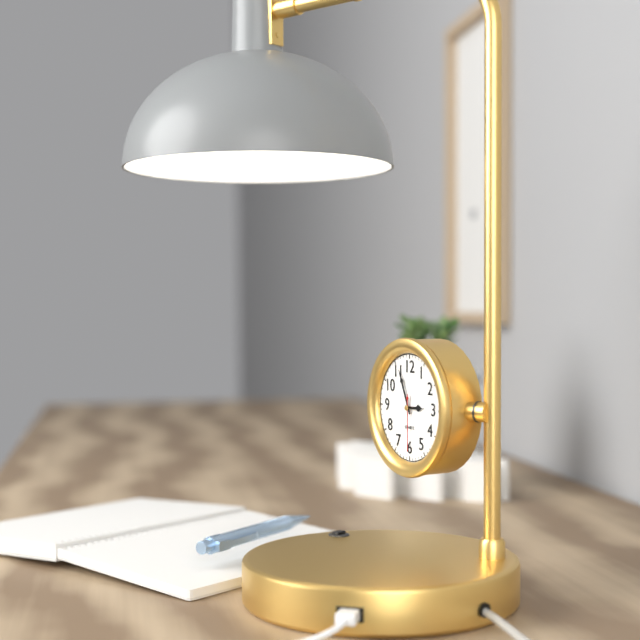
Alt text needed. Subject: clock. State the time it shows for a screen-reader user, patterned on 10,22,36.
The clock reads 2,56,30
